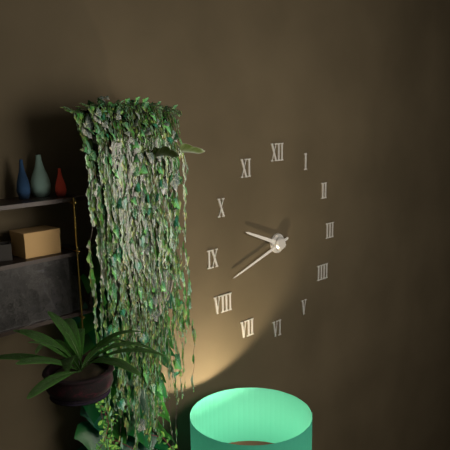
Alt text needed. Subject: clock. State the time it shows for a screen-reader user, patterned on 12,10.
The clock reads 9,42
